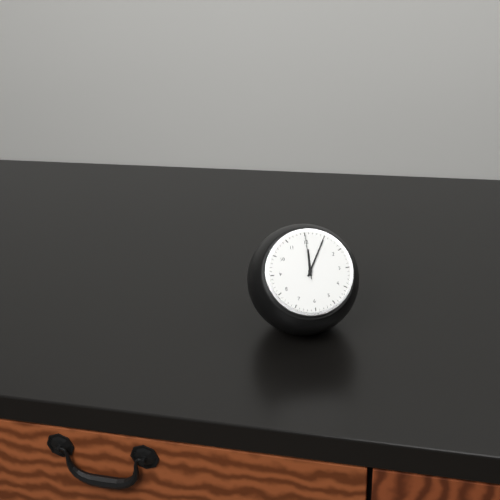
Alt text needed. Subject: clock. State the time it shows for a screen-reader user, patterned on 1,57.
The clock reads 12,05
